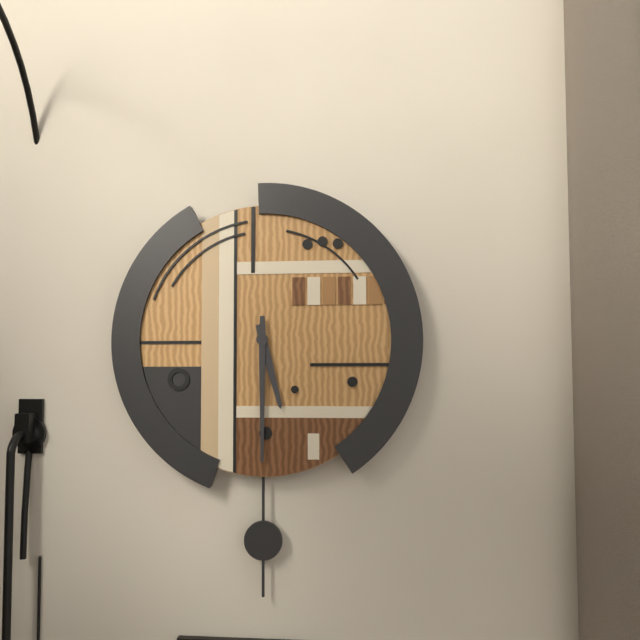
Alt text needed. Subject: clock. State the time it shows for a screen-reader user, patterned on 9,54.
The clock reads 5,30
